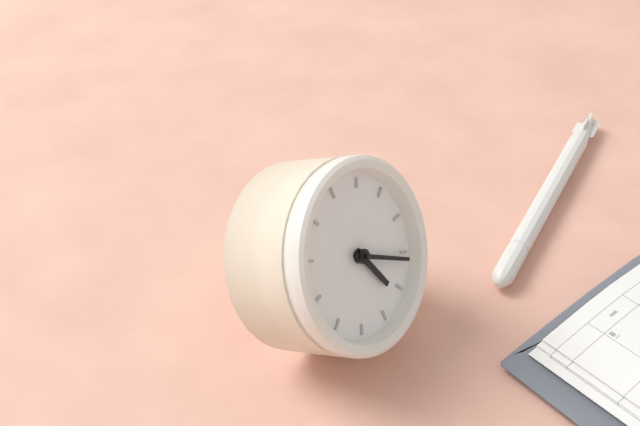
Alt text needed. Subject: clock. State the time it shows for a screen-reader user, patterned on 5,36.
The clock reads 4,16
